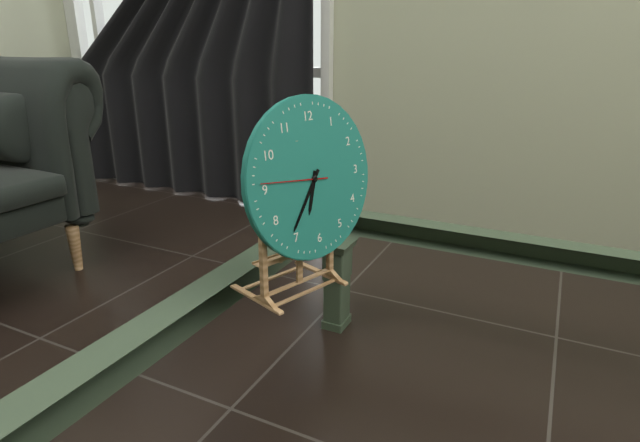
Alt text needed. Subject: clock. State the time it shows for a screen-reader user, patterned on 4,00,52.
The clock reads 6,36,46
